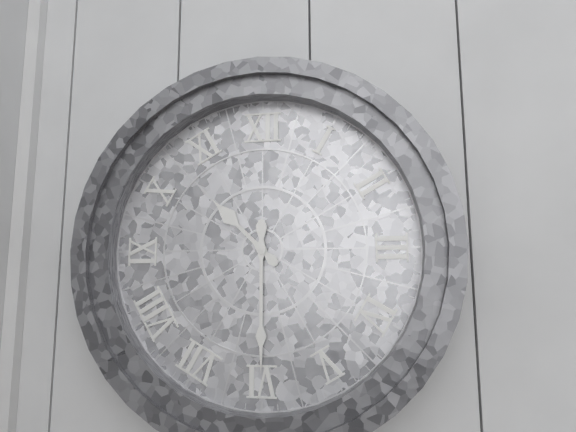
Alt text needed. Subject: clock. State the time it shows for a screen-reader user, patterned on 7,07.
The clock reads 10,30
